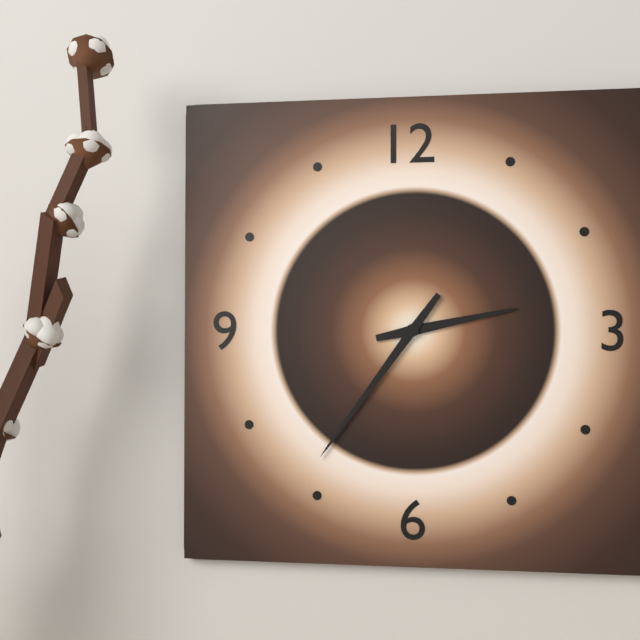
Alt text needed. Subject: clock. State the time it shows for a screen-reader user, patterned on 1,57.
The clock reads 2,36
